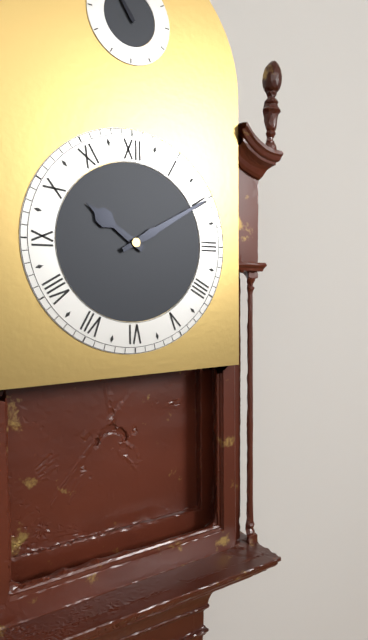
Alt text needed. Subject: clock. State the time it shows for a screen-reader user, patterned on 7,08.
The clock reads 10,10
